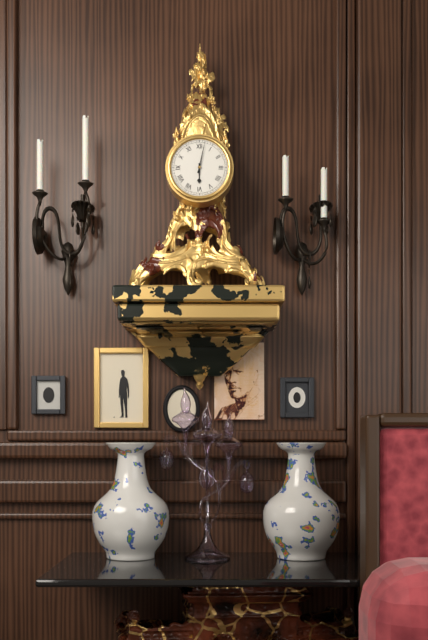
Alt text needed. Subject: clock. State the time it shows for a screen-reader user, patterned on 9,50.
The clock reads 6,02
